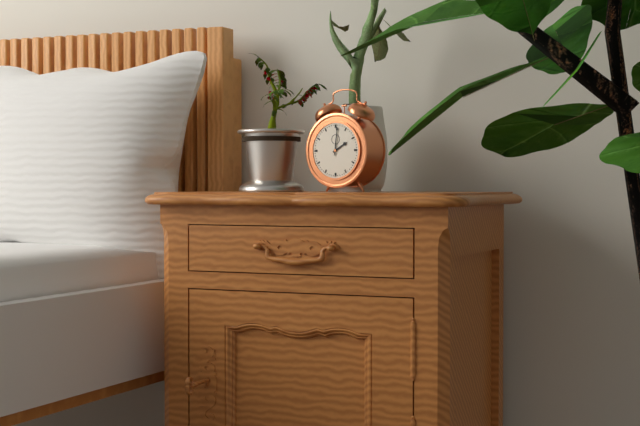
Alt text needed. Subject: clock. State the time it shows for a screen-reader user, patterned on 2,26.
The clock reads 2,01
